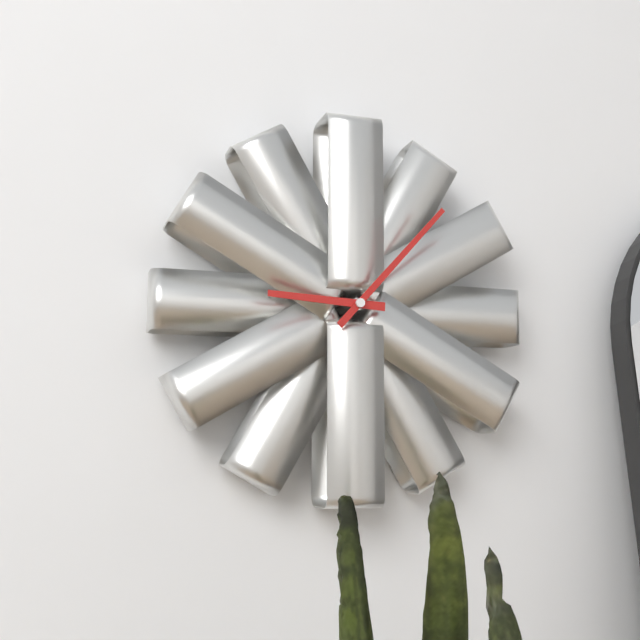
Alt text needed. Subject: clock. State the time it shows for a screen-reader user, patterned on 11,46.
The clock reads 9,07
